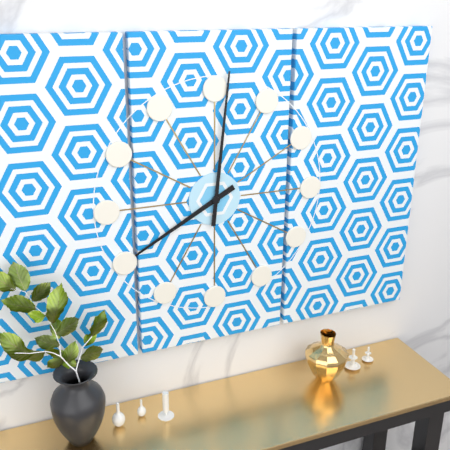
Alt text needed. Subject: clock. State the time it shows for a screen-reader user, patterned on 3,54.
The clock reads 8,01
